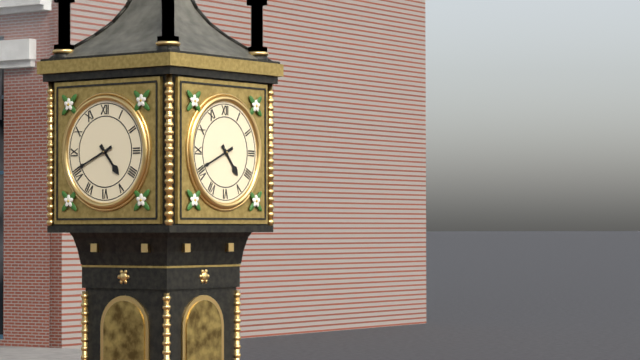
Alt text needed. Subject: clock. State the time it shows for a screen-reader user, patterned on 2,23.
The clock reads 4,41
